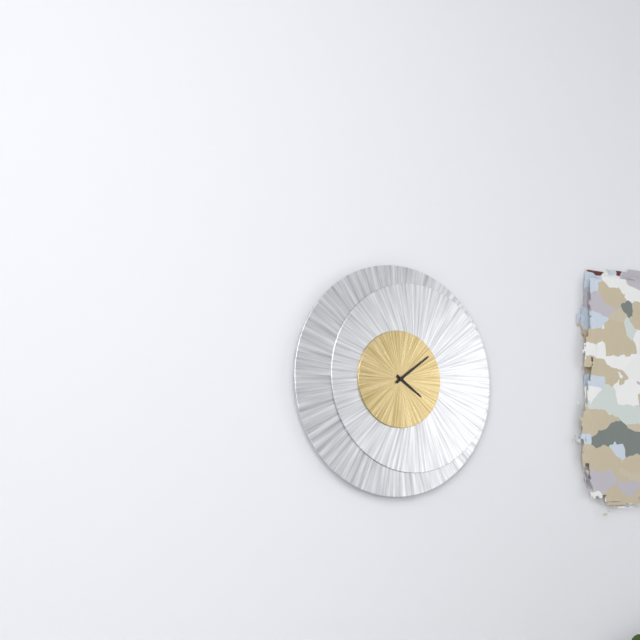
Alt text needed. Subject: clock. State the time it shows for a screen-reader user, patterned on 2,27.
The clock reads 4,09
